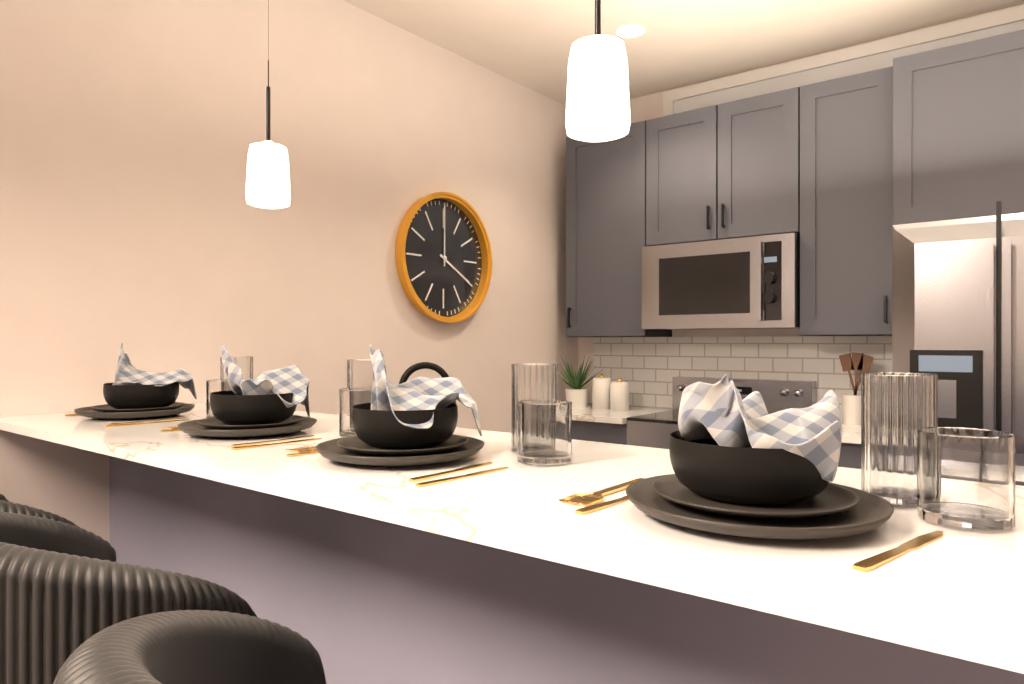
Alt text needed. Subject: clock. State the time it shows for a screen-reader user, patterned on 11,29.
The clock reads 4,00
